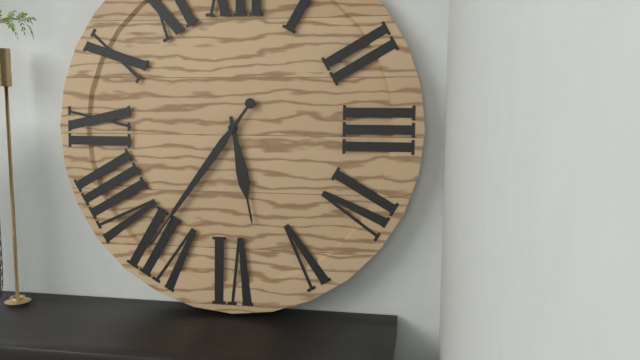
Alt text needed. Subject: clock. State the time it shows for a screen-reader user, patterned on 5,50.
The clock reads 5,36
